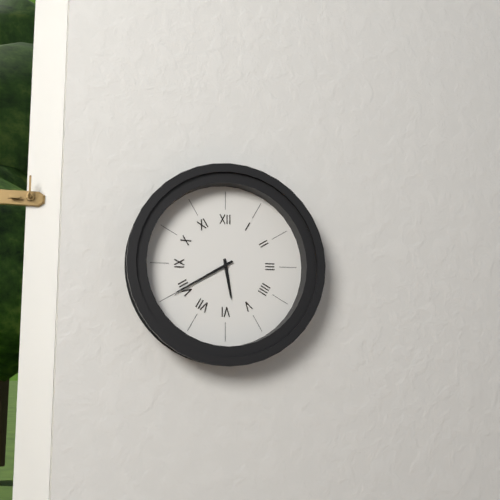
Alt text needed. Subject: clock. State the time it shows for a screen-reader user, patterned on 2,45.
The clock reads 5,40
